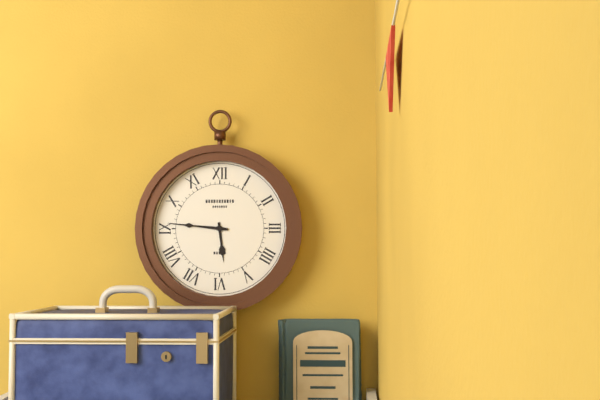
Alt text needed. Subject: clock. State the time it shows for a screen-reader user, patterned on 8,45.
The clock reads 5,46
